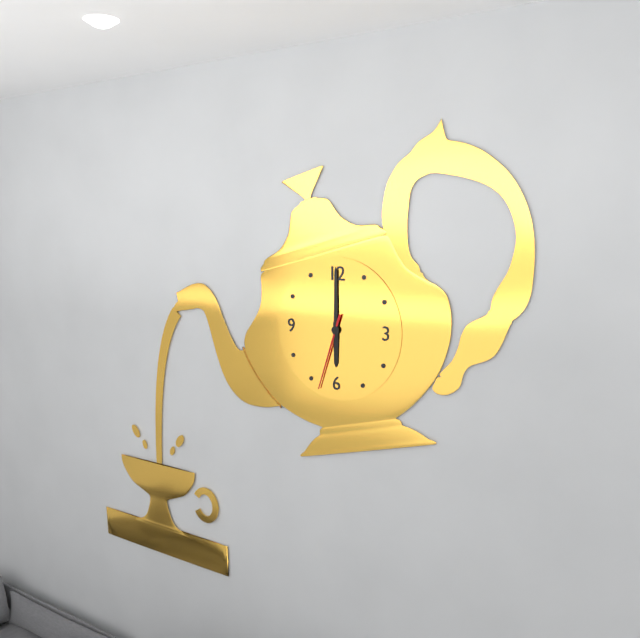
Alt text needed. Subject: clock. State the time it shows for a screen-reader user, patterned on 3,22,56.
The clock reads 6,00,33
